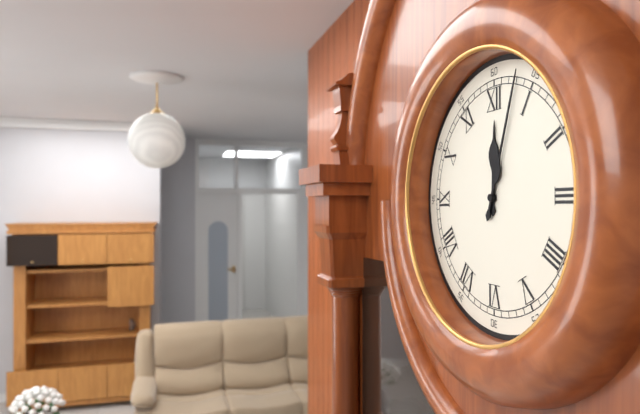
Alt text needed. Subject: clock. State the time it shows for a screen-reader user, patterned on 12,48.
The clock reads 12,03
